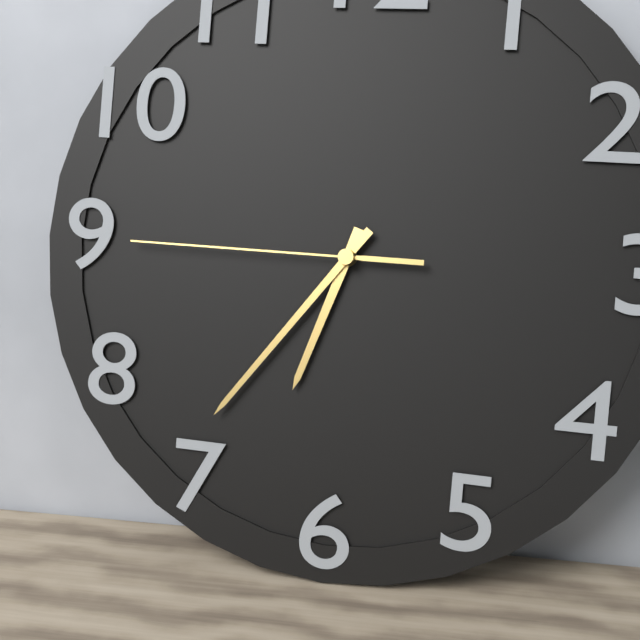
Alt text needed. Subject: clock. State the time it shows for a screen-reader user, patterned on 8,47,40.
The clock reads 6,36,45
